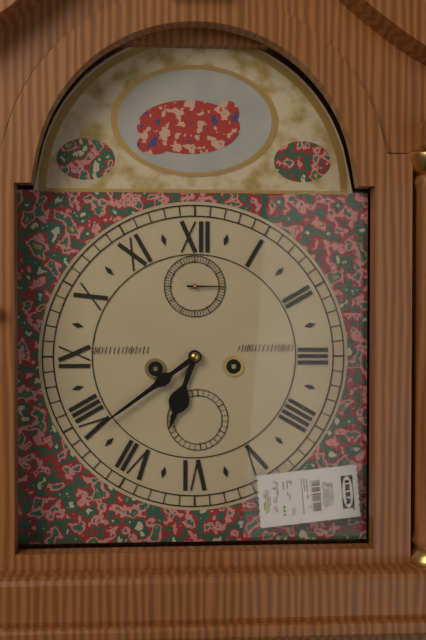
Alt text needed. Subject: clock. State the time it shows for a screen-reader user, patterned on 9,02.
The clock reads 6,39
